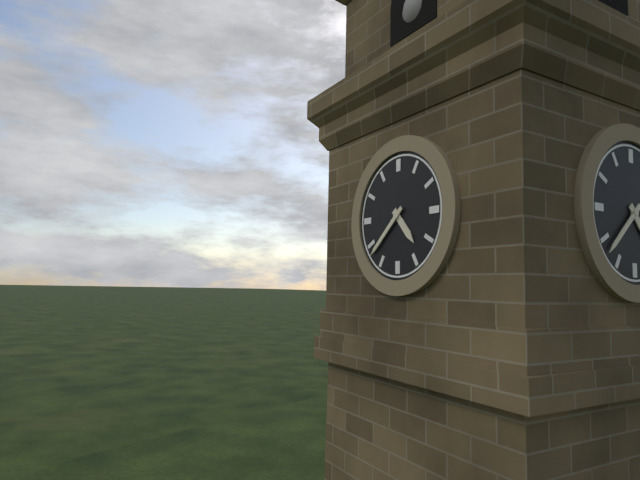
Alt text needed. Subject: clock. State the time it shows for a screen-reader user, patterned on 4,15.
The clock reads 4,38
